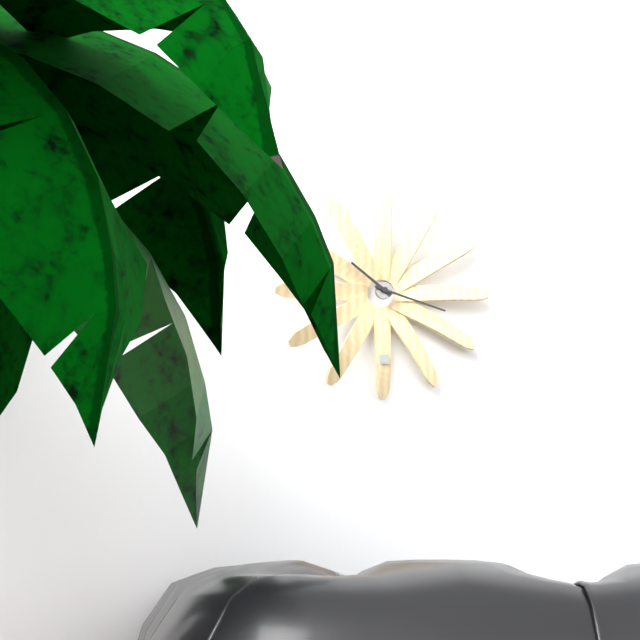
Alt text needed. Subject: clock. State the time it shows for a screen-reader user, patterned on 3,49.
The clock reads 10,18
